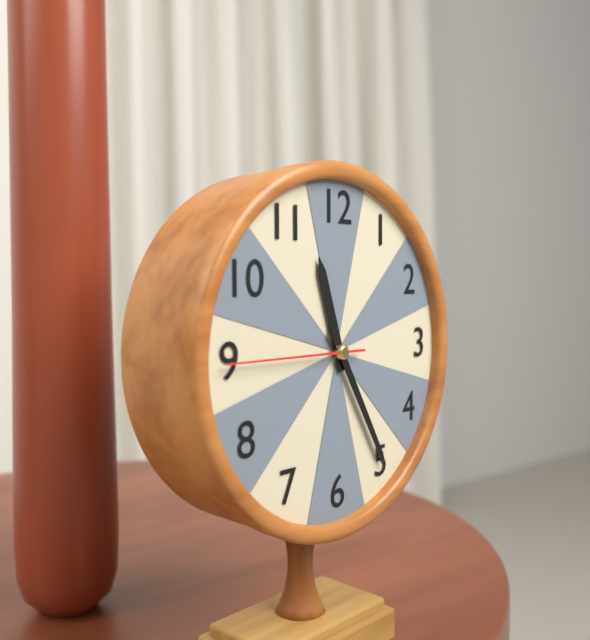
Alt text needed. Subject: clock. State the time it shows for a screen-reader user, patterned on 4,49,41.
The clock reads 11,25,45
